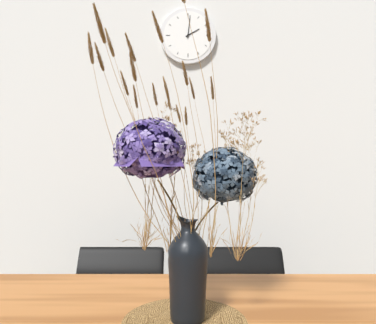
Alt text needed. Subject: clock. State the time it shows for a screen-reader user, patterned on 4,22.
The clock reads 2,01
